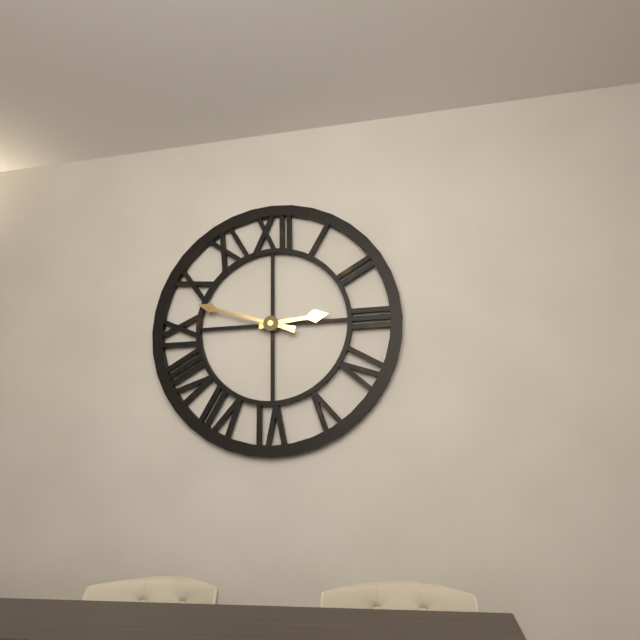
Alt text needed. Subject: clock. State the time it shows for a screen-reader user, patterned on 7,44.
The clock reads 2,48
